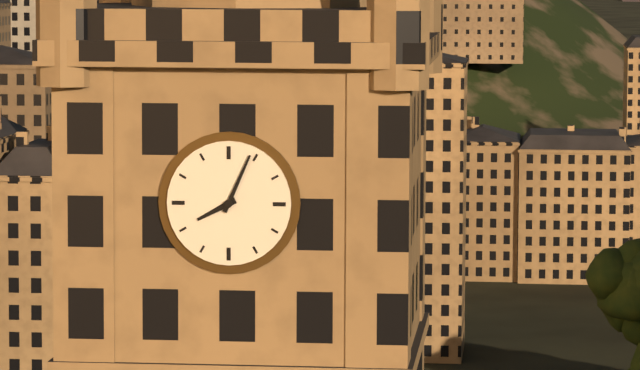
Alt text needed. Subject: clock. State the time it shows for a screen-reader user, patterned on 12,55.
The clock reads 8,04
